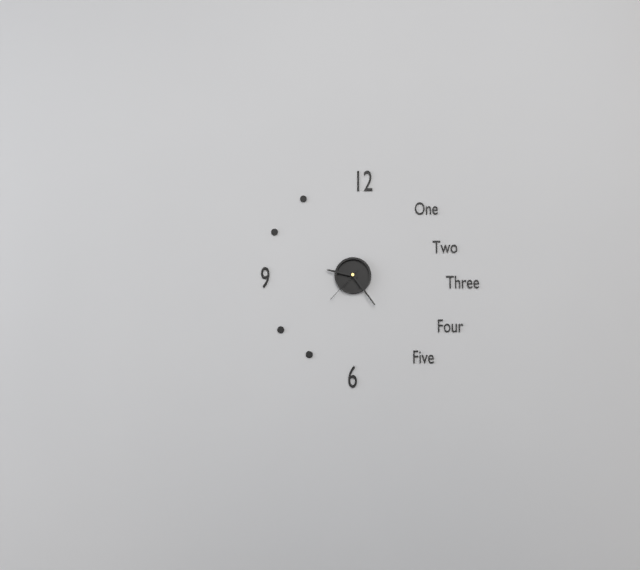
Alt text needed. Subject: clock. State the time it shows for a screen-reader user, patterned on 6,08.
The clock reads 9,24
